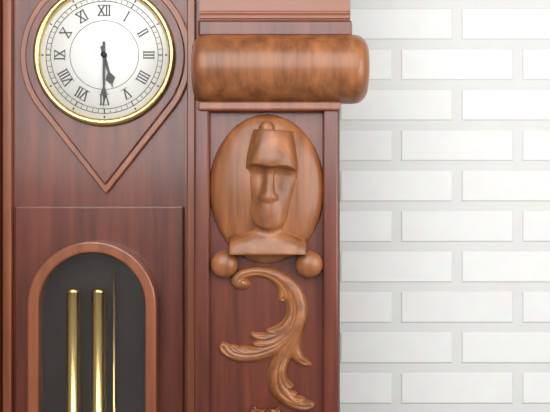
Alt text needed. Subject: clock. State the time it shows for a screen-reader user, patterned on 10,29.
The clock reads 5,30
